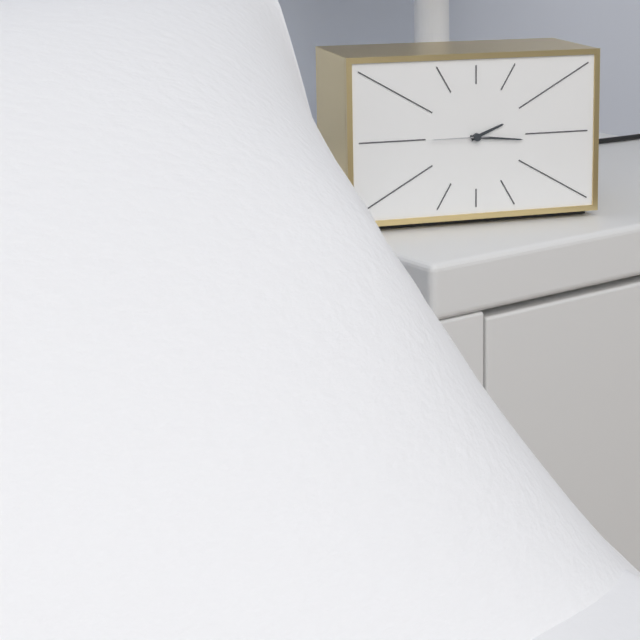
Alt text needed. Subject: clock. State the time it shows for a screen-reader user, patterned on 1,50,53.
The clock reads 2,16,45
